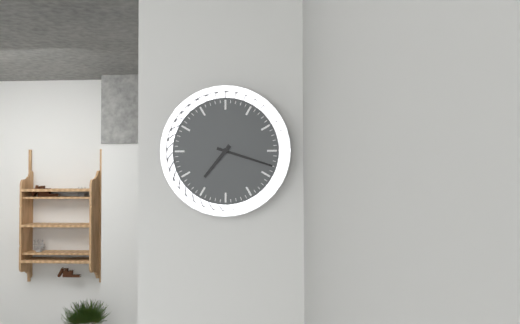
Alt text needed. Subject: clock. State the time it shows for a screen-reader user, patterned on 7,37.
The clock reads 7,18
